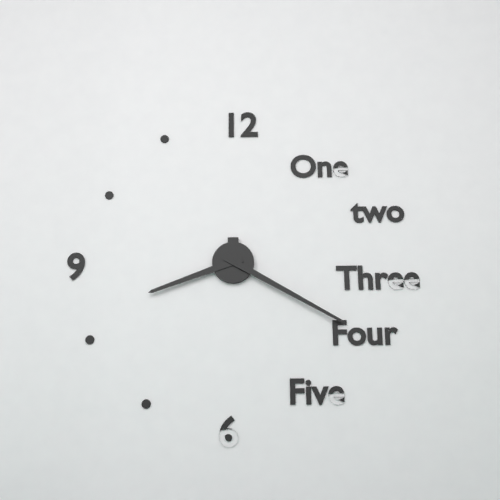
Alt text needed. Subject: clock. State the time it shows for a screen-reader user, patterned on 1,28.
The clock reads 8,20
